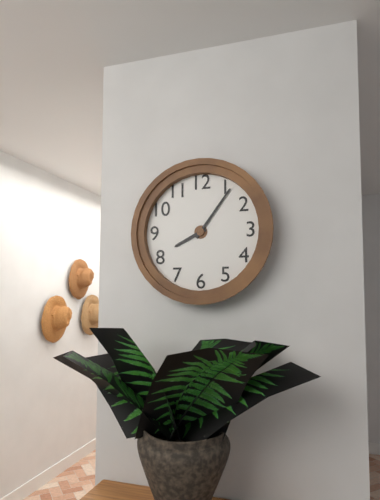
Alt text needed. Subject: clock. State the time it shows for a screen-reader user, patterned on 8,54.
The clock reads 8,06
